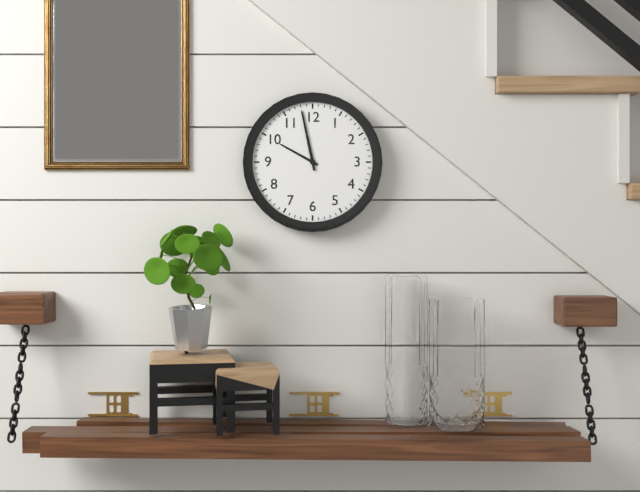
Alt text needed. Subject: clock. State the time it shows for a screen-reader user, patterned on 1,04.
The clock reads 9,58
